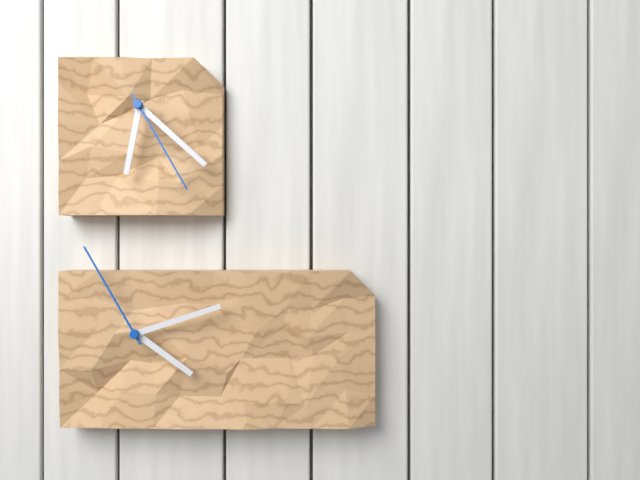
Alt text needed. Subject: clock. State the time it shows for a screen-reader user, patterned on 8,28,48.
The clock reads 6,22,25
